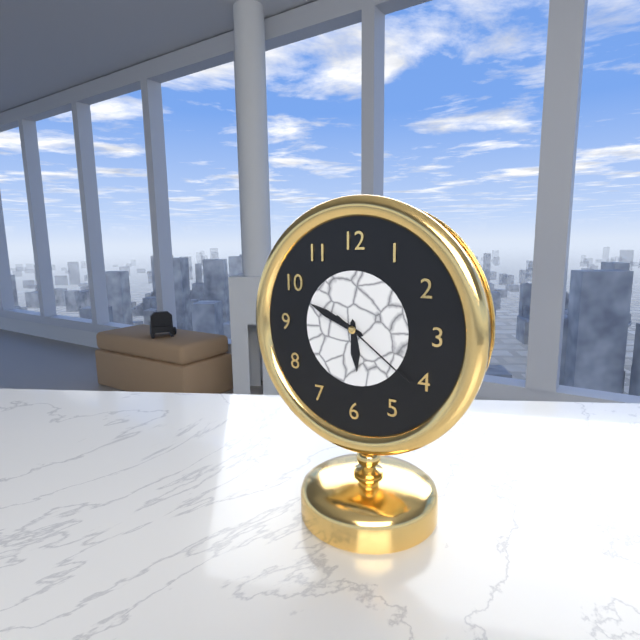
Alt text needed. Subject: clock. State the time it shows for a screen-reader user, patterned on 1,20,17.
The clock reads 5,49,21
